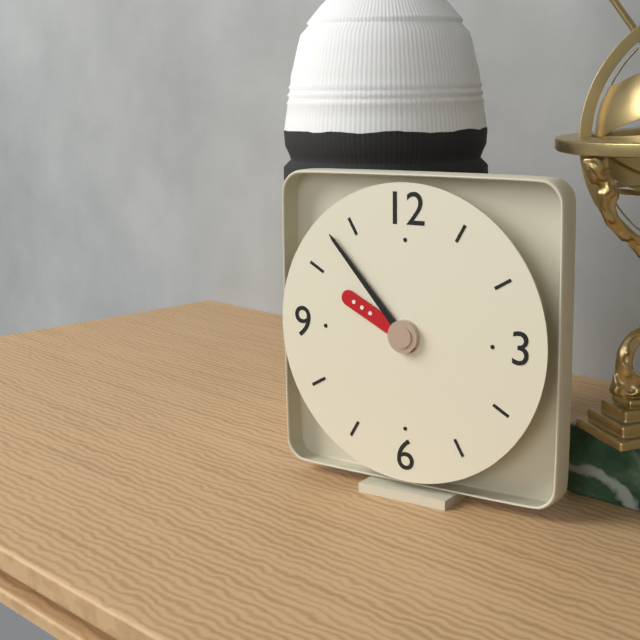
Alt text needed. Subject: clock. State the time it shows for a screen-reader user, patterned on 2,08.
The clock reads 9,53
